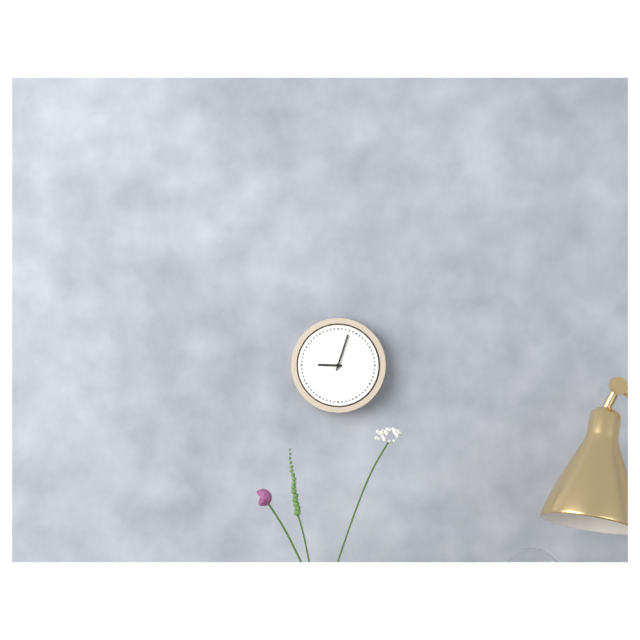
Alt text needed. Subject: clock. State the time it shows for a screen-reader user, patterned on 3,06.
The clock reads 9,03
